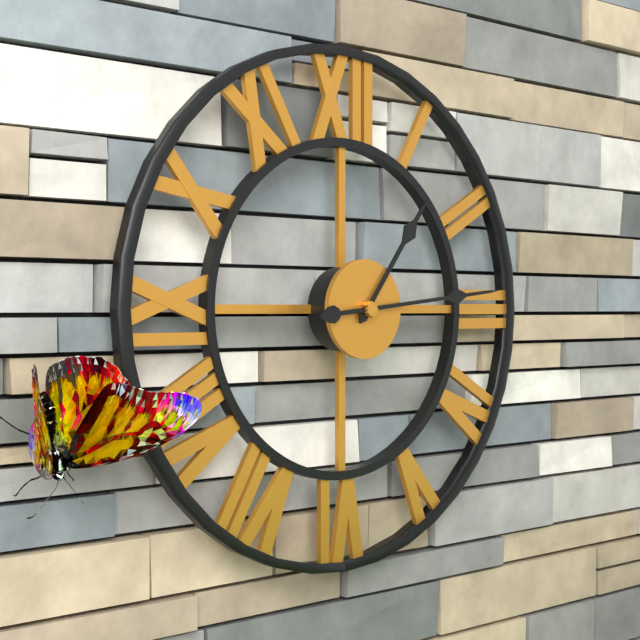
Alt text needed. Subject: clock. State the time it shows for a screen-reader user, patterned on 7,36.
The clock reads 1,14
